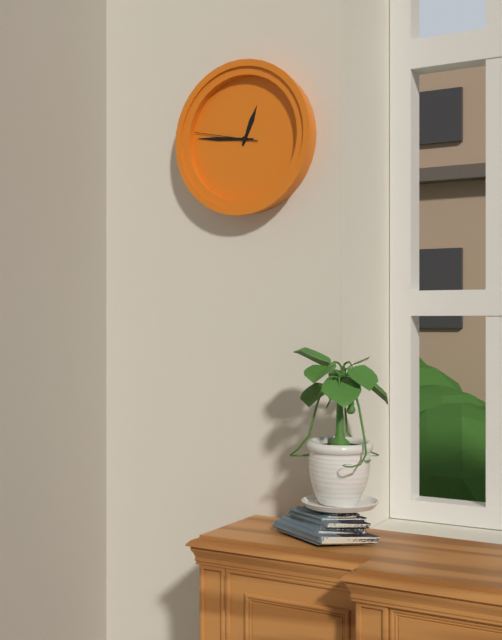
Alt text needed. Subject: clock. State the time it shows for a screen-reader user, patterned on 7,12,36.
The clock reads 12,46,47
